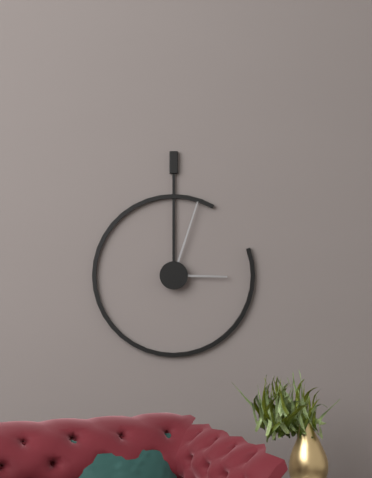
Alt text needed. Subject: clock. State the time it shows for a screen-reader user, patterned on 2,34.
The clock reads 3,03
